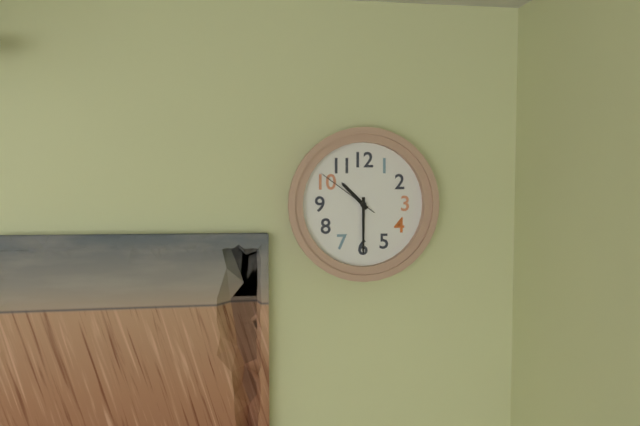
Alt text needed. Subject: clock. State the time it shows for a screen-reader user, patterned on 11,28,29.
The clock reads 10,30,51
